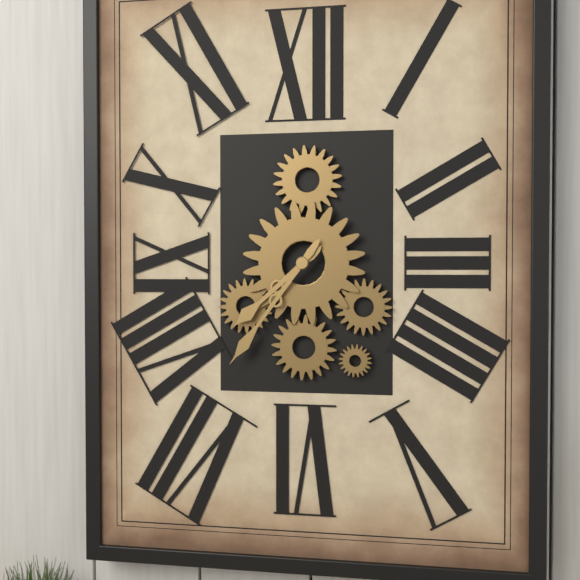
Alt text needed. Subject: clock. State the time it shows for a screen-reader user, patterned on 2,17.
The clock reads 7,36
